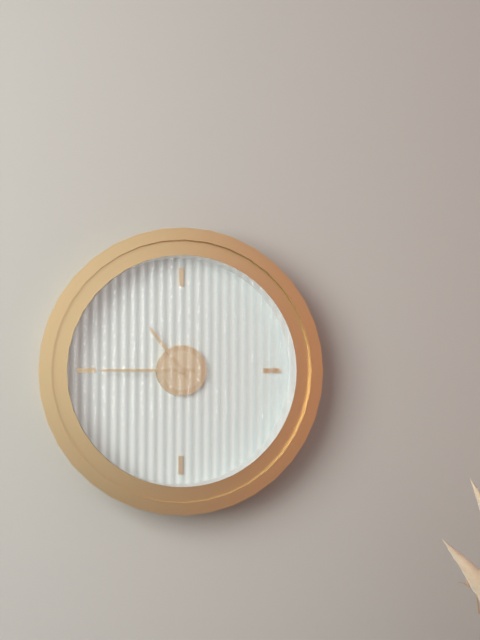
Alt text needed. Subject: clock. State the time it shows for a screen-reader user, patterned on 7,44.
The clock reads 10,45
